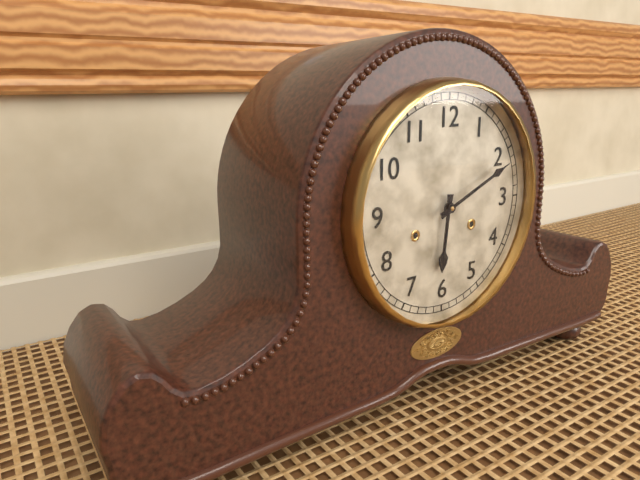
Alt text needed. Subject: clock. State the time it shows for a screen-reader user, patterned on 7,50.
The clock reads 6,11
